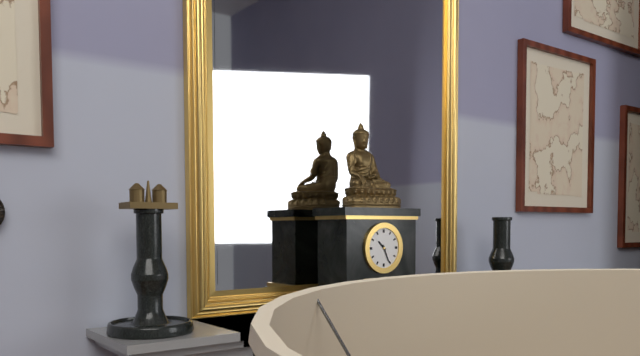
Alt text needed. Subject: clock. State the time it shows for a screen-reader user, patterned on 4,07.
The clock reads 10,26
